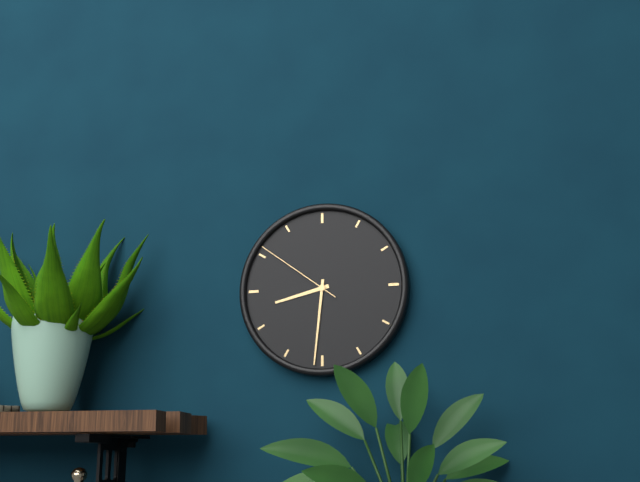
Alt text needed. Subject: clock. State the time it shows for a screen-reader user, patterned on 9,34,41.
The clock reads 8,31,51
